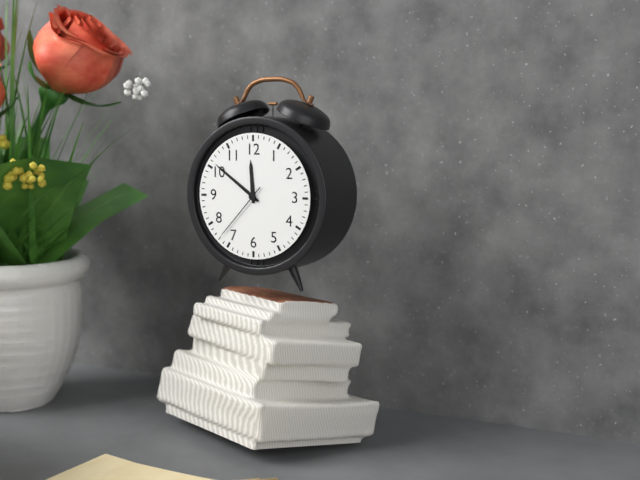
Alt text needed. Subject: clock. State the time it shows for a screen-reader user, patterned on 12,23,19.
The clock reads 11,51,37
